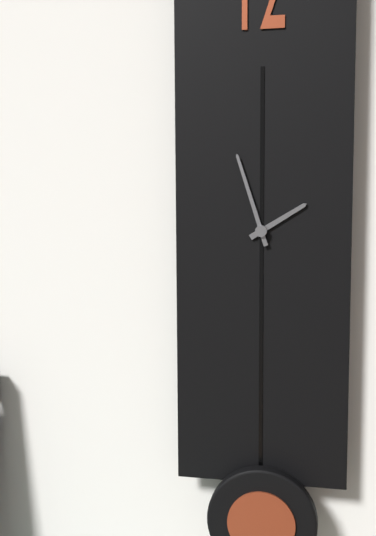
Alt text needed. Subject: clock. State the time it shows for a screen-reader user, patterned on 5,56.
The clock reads 1,57
